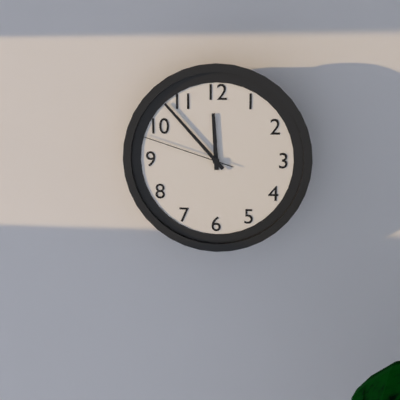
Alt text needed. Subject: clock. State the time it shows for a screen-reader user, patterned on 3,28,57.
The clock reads 11,53,48
